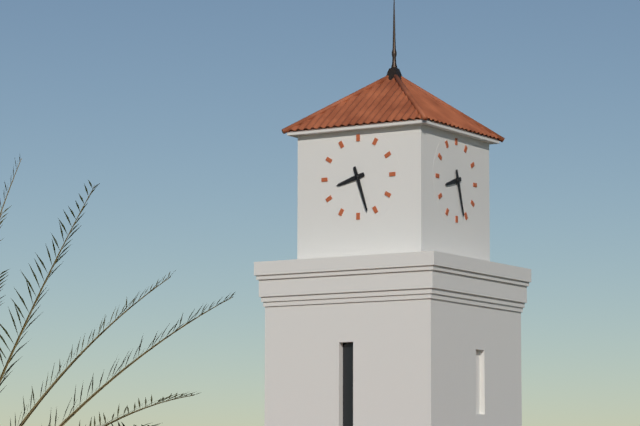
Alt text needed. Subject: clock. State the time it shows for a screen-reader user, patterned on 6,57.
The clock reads 8,27
